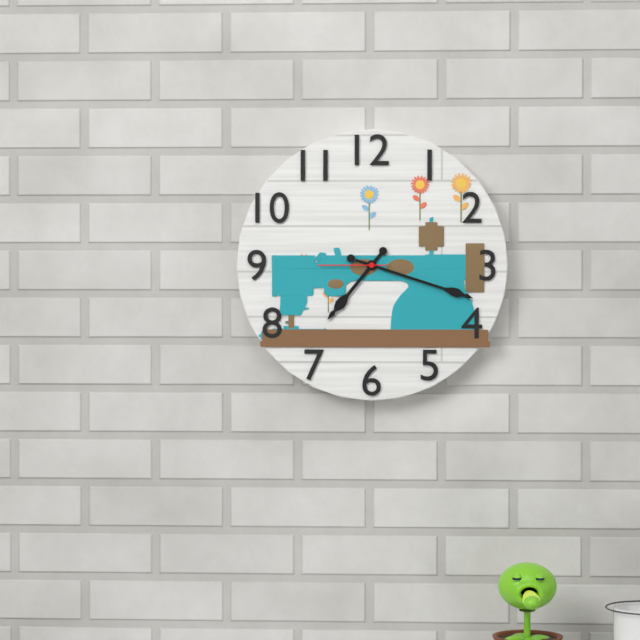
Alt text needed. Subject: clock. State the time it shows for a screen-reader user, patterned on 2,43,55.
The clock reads 7,18,45
